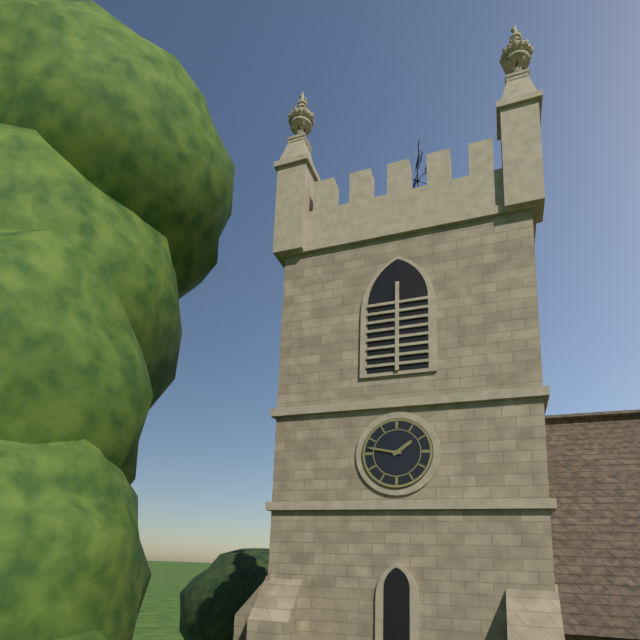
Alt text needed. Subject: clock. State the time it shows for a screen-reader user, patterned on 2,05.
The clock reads 1,47
